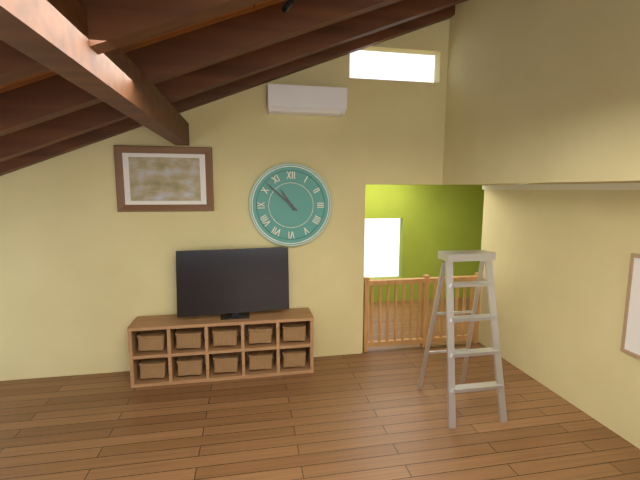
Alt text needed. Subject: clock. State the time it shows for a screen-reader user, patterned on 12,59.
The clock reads 10,52
